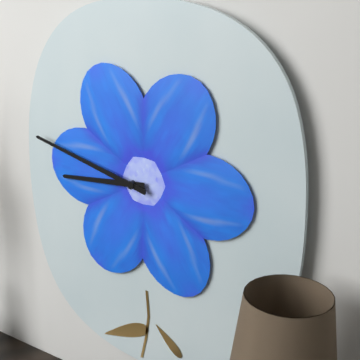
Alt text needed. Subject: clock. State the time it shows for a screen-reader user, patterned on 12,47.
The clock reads 8,47
